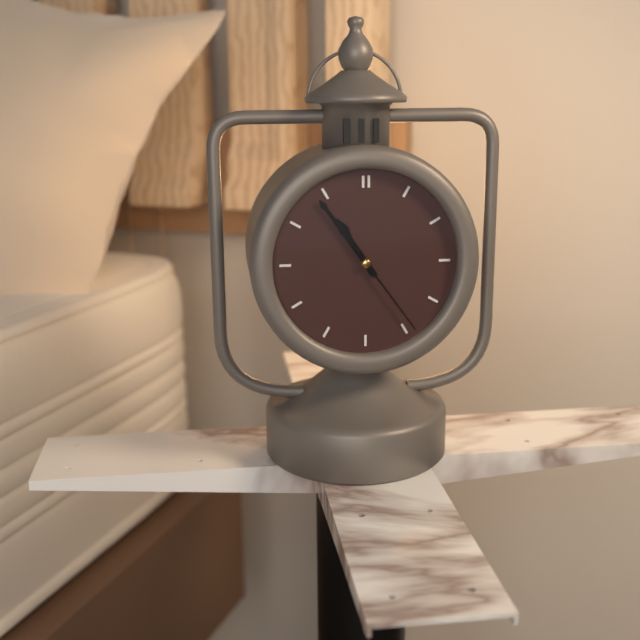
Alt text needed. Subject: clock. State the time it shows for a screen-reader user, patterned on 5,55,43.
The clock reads 10,54,24
